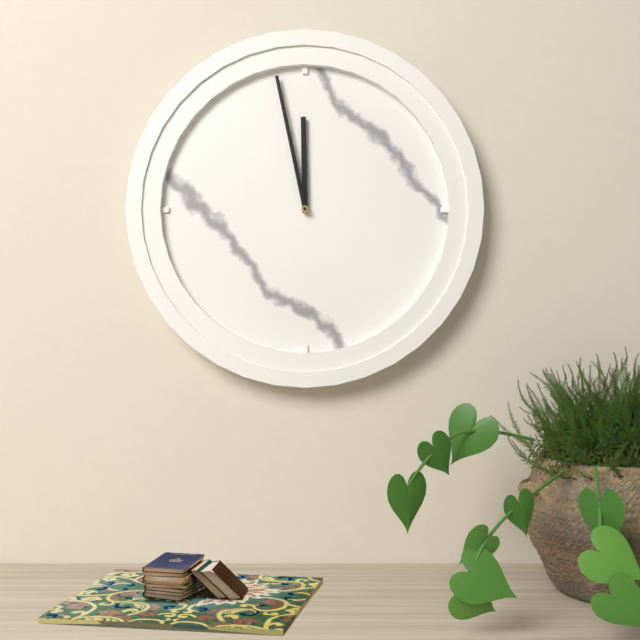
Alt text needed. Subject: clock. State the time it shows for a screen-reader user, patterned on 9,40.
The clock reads 11,58
